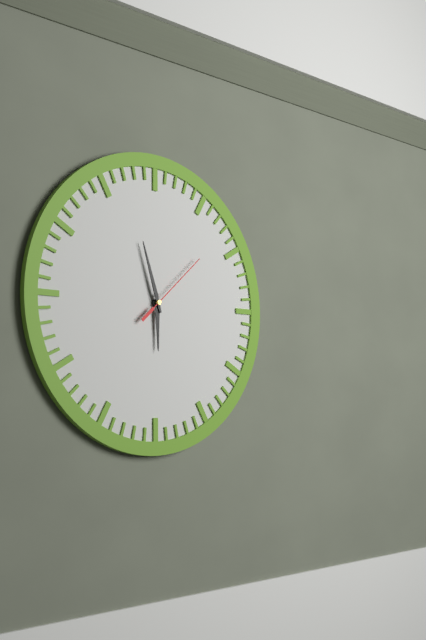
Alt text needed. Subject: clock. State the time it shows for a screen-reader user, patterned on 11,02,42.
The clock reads 5,57,08
